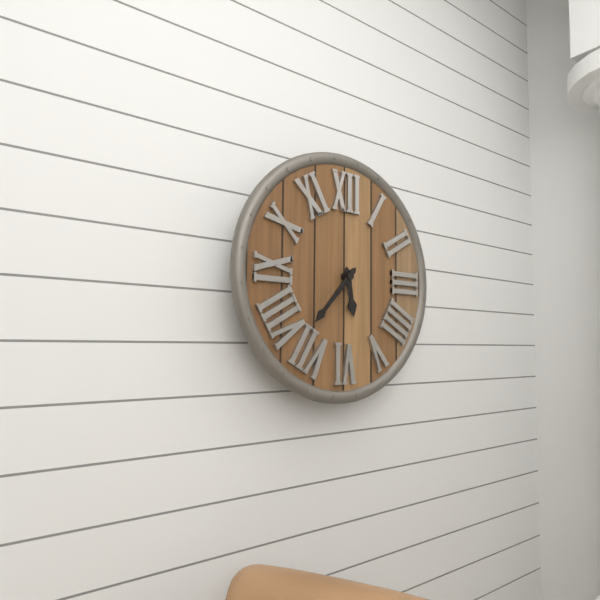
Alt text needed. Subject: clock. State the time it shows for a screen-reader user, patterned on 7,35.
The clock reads 5,37
